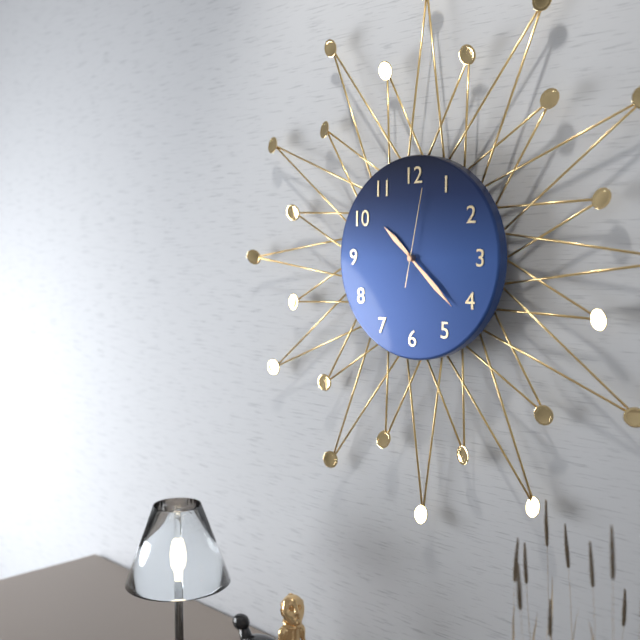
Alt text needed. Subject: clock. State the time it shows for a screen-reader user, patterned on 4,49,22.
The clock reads 10,22,02
